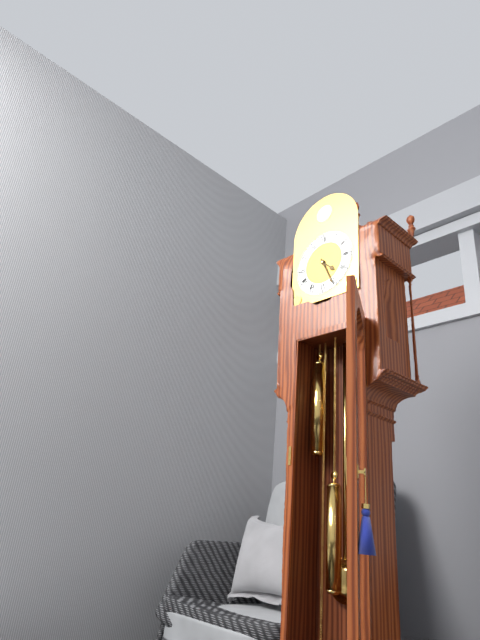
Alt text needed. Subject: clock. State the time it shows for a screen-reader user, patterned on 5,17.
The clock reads 4,26
